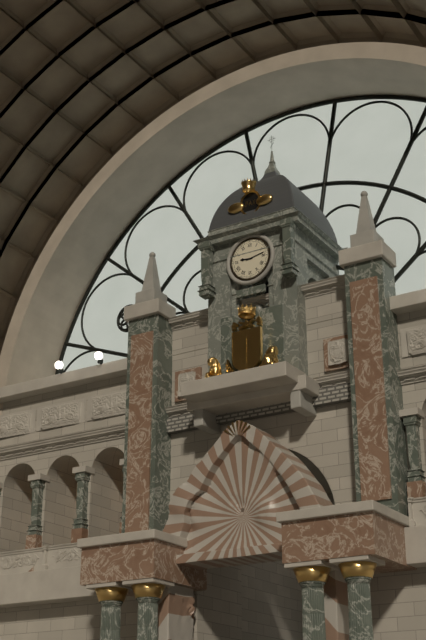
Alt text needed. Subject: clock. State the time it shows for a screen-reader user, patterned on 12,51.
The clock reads 9,13
